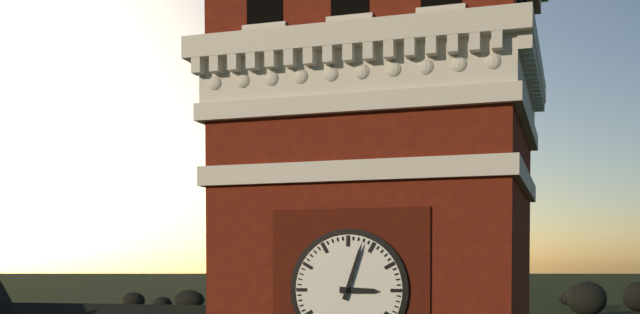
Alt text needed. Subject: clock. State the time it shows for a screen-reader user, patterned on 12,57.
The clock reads 3,03
